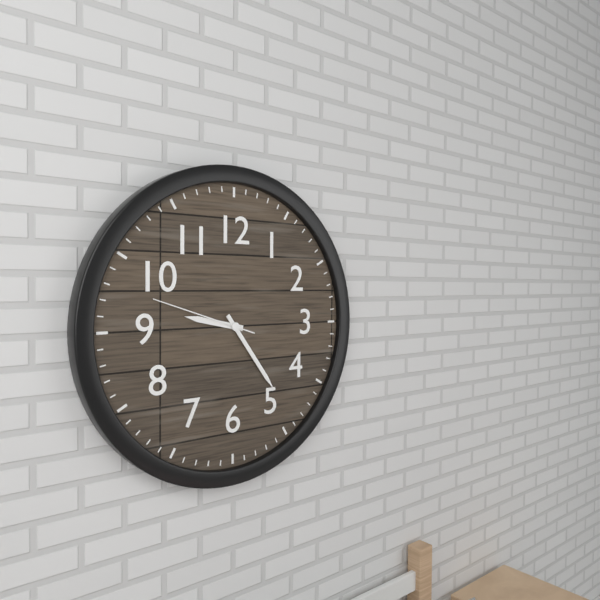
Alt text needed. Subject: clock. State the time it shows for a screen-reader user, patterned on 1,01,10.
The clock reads 9,24,48
